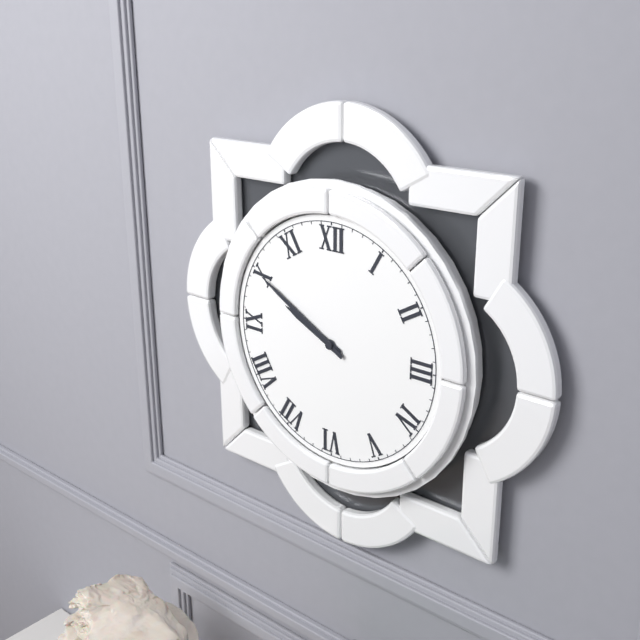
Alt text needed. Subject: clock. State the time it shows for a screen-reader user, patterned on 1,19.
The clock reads 9,50
